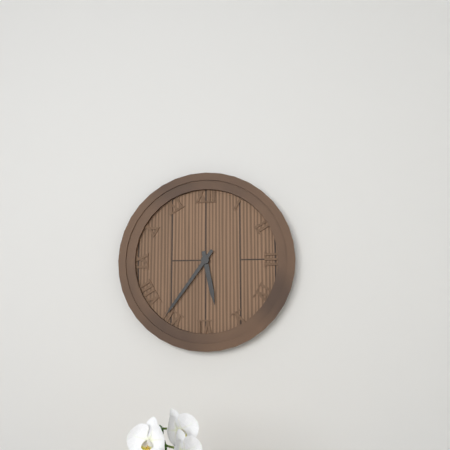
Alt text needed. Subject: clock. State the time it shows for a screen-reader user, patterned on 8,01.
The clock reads 5,36
